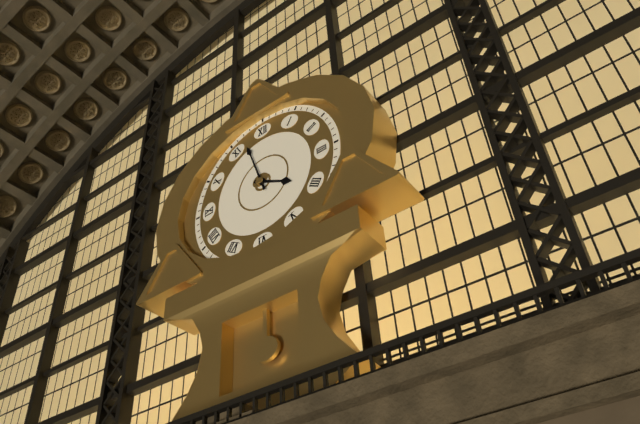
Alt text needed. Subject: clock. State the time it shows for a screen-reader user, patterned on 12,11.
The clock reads 3,57
